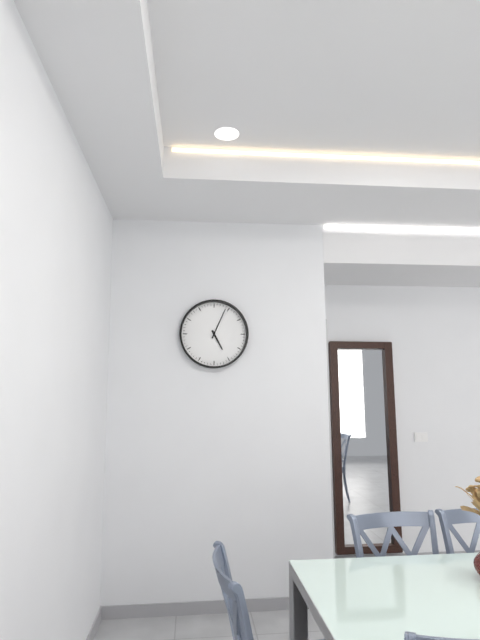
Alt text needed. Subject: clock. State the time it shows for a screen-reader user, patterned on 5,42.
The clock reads 5,04
